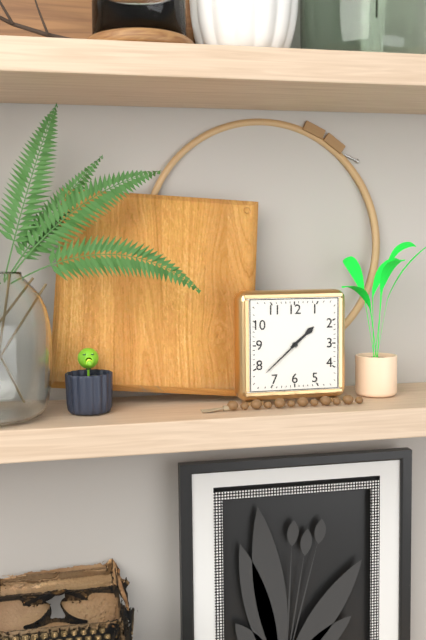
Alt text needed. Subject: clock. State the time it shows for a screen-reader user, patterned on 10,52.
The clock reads 1,38
